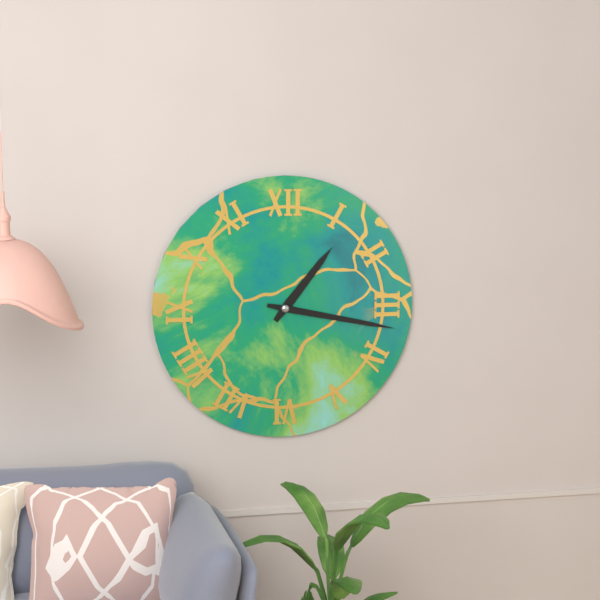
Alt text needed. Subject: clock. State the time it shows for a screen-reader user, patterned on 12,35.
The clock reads 1,17
